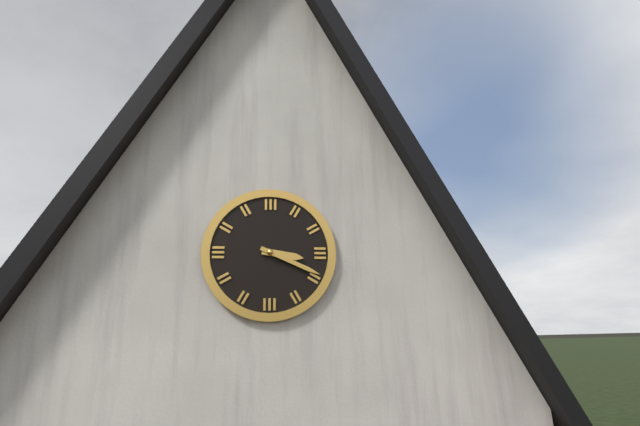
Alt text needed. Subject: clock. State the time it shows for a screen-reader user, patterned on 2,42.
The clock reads 3,19
